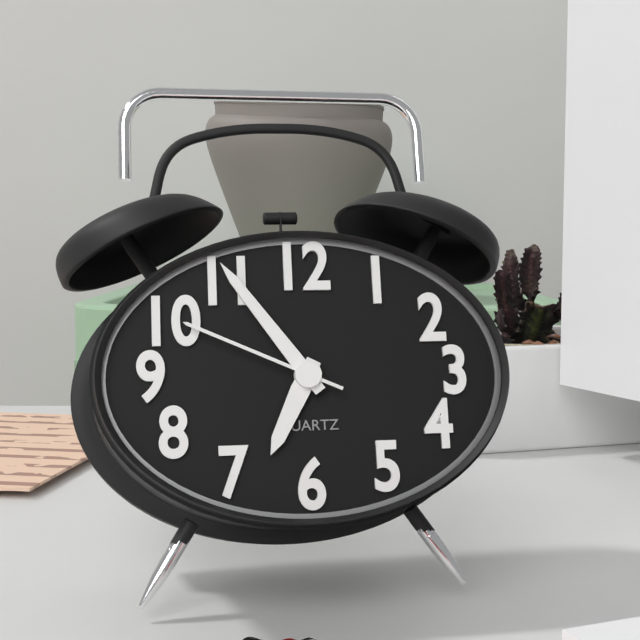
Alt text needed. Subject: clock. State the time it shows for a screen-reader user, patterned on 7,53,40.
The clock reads 6,54,49
